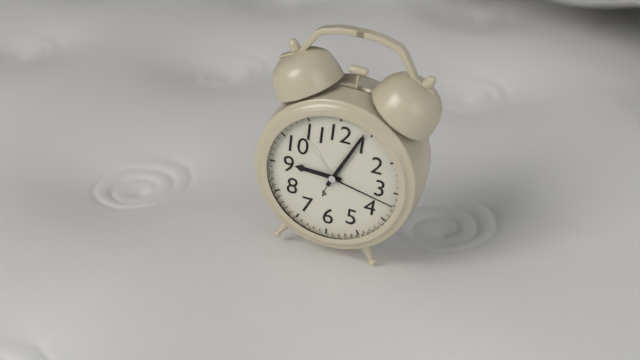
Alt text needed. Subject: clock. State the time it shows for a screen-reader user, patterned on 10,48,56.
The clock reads 9,04,17
